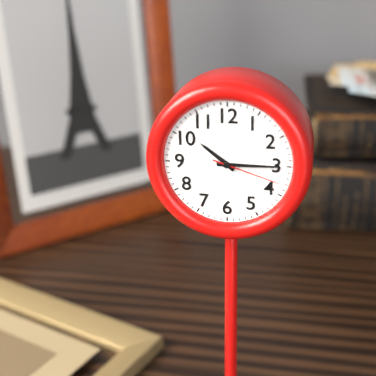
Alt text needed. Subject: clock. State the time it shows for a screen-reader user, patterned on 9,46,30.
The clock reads 10,15,18
